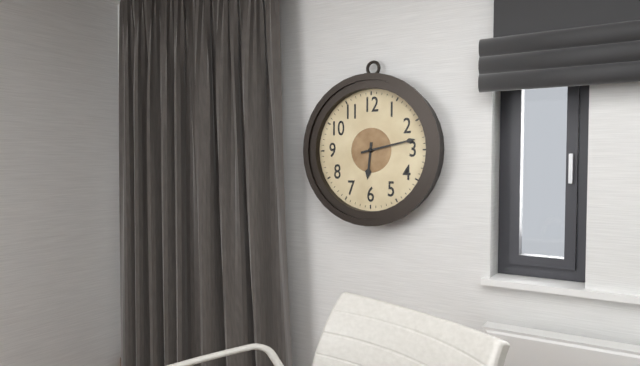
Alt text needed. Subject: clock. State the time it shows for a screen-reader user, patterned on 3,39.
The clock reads 6,13
